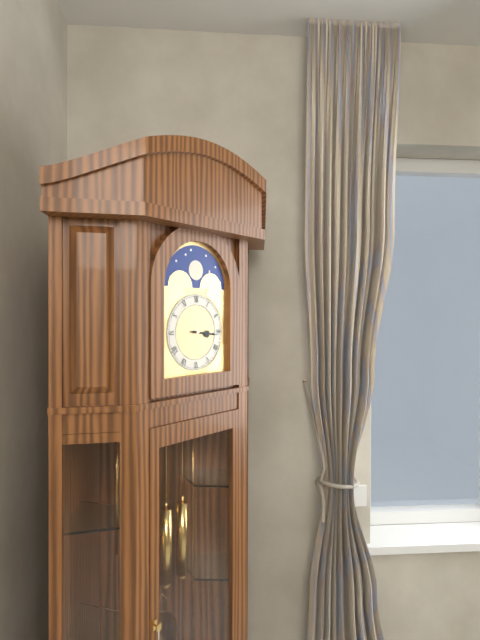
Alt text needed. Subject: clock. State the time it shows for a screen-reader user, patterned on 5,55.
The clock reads 3,16
